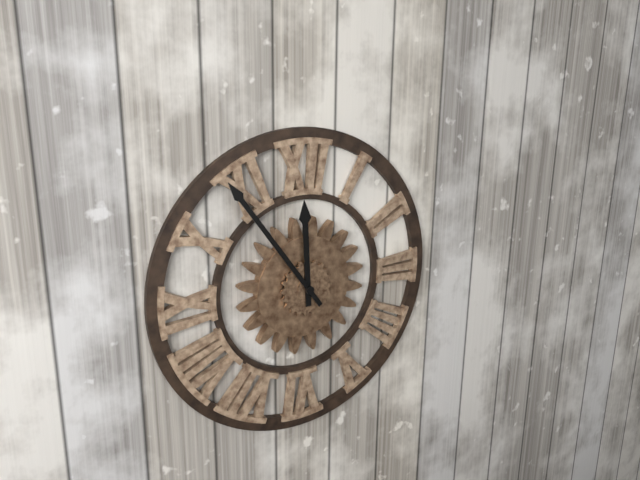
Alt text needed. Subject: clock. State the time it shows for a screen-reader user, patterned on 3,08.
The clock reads 11,54
